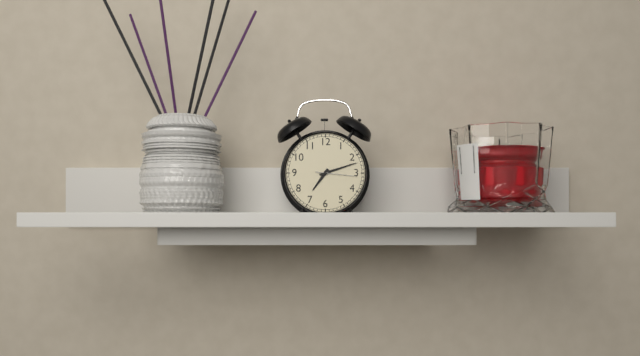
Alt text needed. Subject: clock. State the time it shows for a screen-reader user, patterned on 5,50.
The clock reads 7,12
